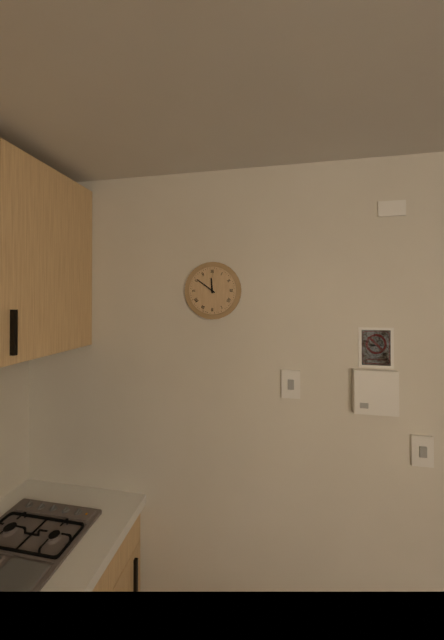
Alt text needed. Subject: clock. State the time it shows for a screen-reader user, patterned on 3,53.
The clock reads 11,51
